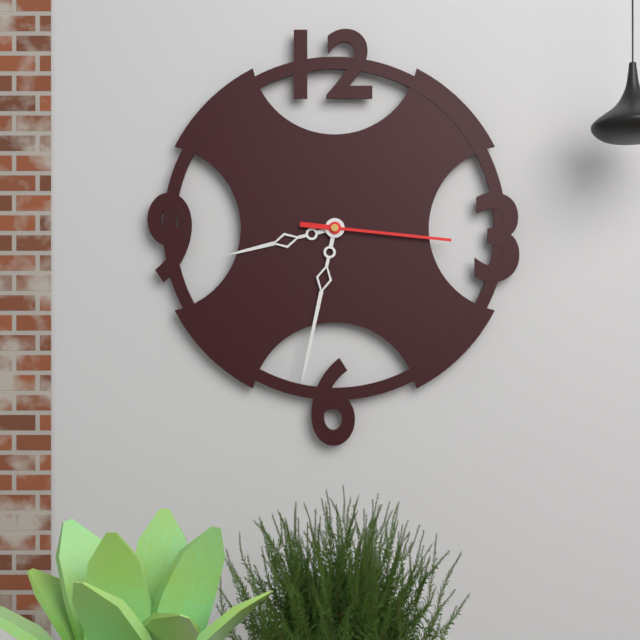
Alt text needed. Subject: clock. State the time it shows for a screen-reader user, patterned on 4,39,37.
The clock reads 8,32,16
